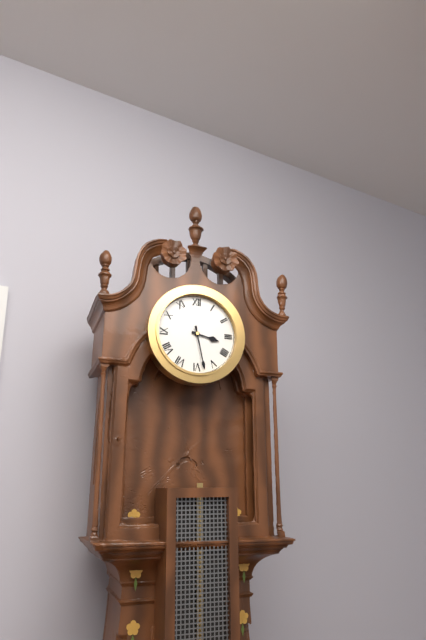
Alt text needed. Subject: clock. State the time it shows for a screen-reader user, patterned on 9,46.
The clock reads 3,28
